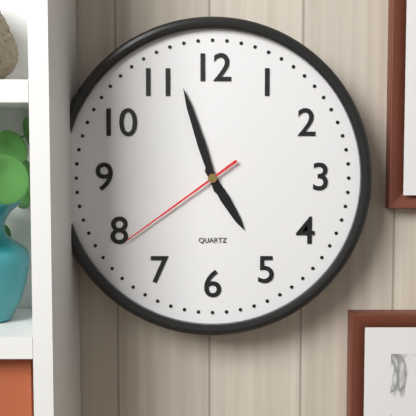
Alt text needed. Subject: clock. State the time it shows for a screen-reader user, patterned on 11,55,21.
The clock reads 4,57,39
